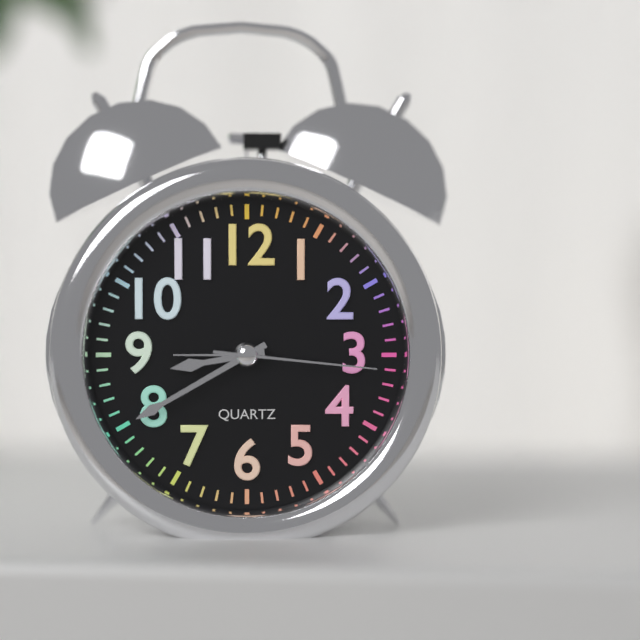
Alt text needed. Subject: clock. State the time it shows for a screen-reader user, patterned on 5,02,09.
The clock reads 8,40,16
